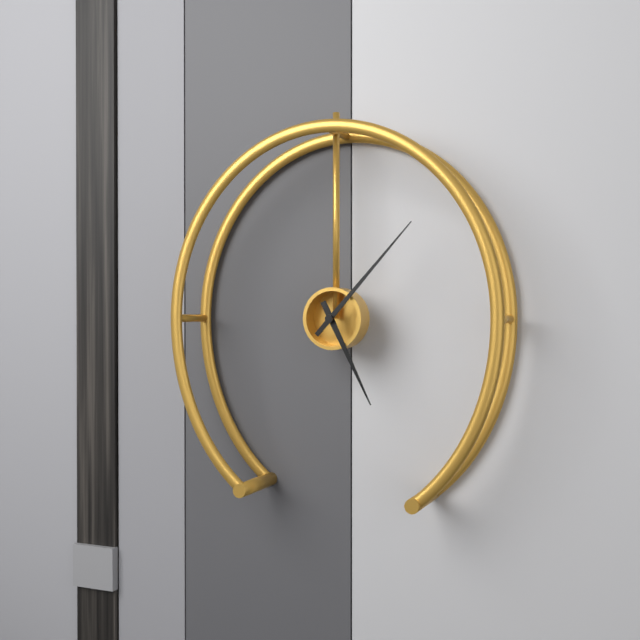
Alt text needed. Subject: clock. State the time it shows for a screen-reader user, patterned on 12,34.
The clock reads 5,07
